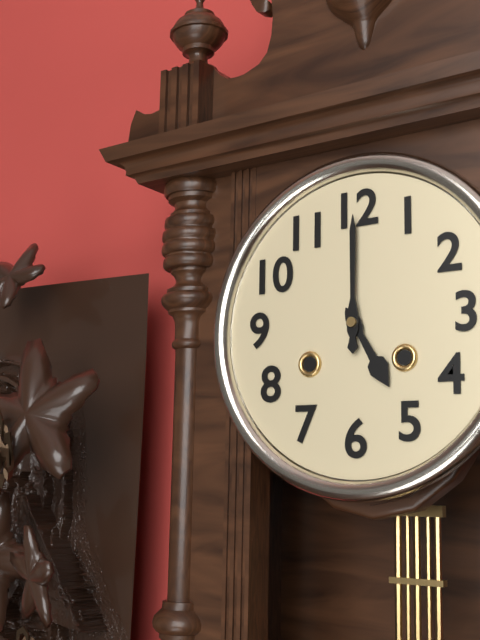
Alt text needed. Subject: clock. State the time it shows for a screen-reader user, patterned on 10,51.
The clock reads 5,00
